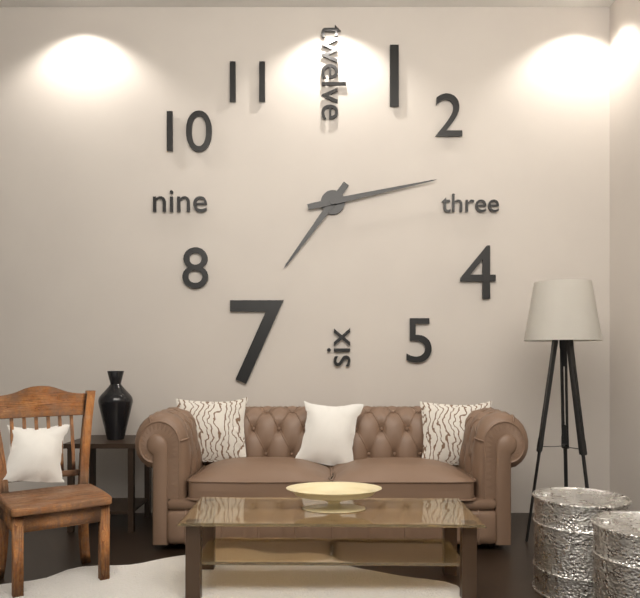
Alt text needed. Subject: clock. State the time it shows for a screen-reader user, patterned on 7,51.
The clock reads 7,13
